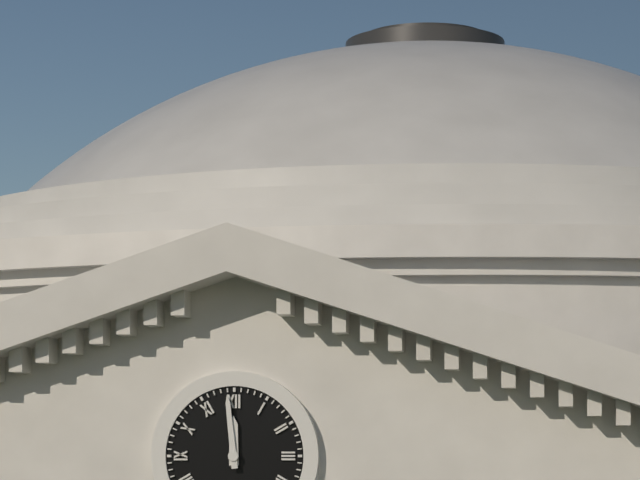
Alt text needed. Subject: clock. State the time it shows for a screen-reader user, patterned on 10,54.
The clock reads 11,59
